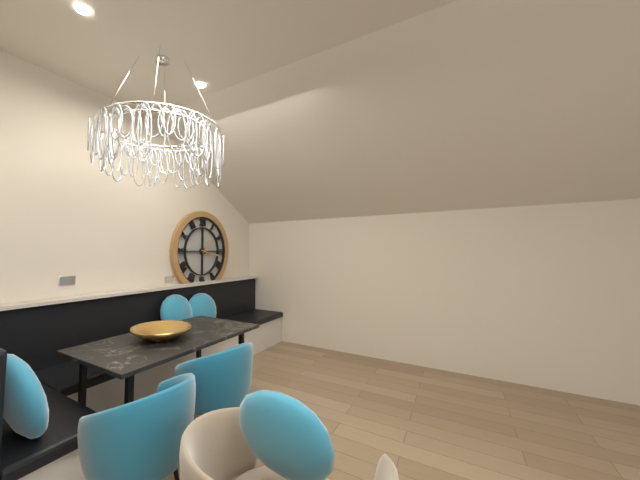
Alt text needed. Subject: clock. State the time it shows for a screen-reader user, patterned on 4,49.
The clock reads 1,17
